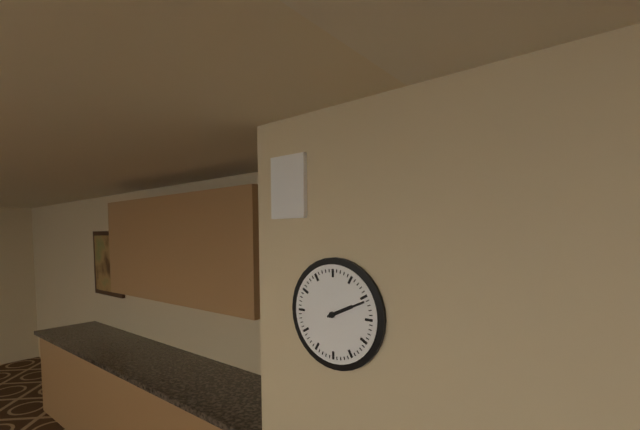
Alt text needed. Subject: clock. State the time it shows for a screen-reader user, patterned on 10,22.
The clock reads 2,11
